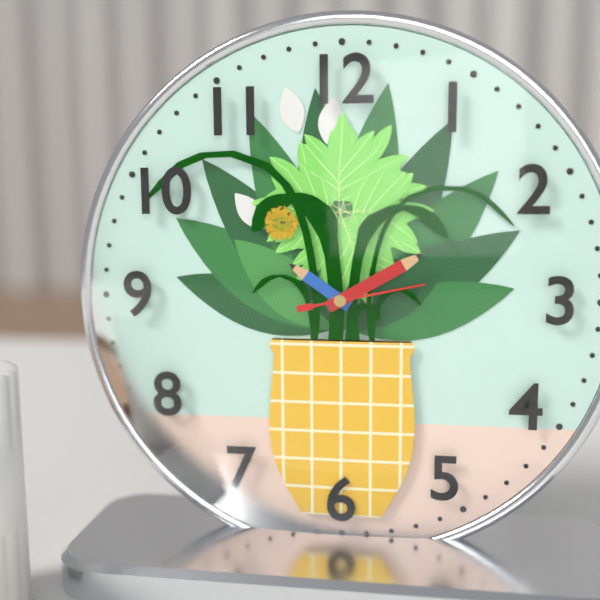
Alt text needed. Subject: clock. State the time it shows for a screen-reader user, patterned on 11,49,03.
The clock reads 10,10,13
